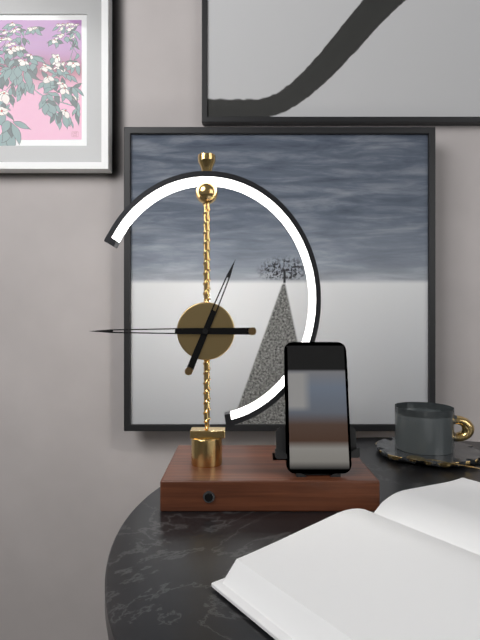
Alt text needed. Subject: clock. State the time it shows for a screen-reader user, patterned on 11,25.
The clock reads 12,45
